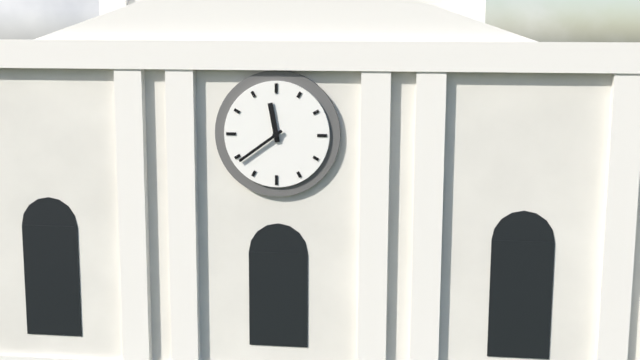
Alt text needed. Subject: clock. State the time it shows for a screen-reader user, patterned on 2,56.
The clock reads 11,39
